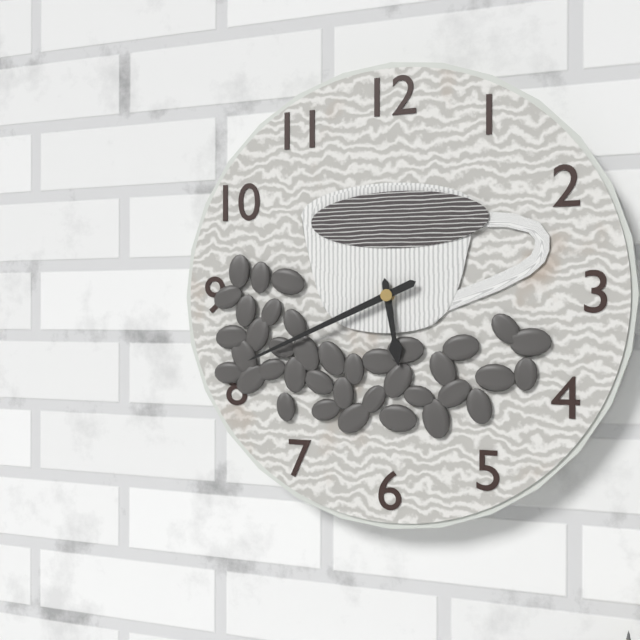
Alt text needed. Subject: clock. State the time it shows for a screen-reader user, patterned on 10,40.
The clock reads 5,41
